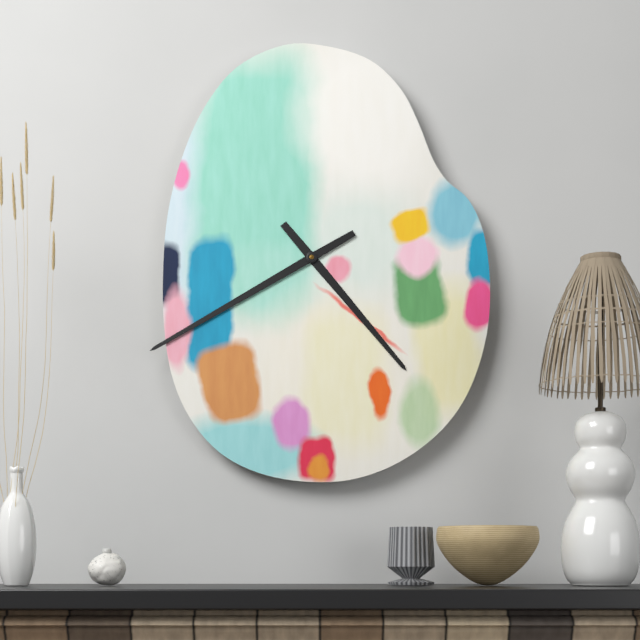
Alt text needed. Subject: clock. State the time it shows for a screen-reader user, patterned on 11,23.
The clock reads 4,40
